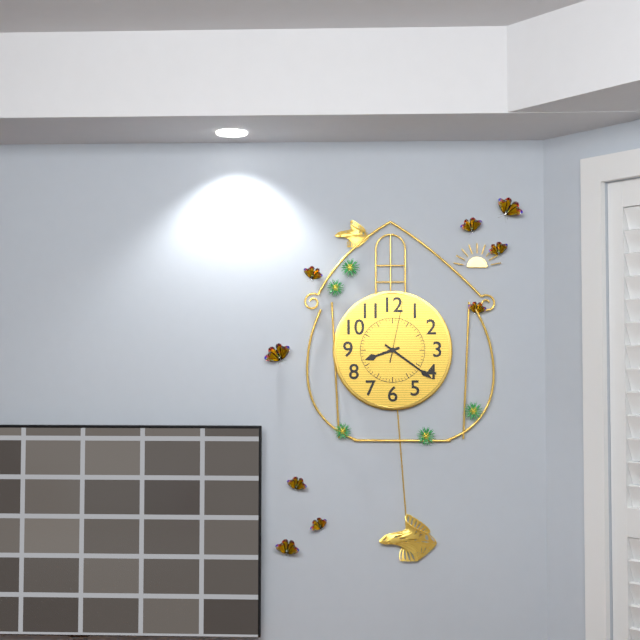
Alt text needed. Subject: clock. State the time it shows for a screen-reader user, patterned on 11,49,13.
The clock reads 8,21,02
